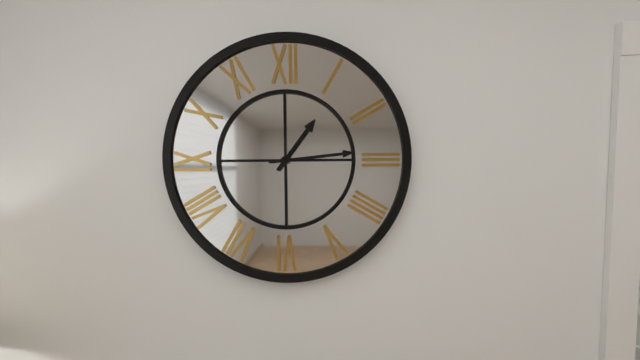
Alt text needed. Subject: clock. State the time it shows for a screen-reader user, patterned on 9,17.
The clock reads 1,14
